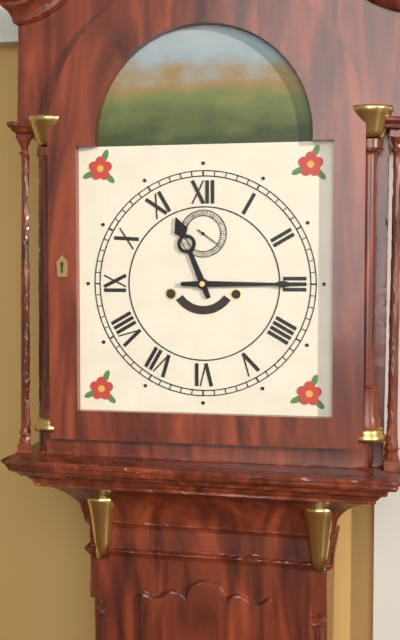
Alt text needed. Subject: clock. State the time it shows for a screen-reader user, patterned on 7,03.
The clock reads 11,15
